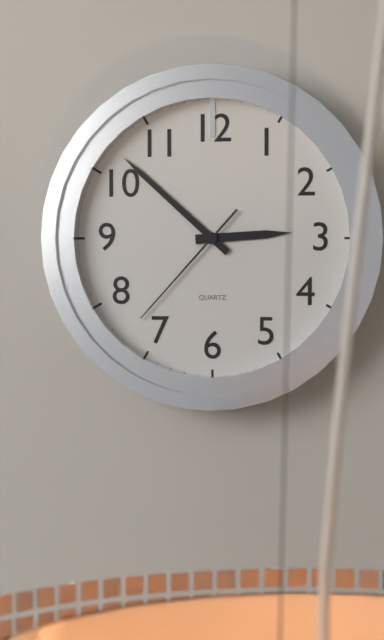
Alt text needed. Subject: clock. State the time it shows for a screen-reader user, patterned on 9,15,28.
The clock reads 2,52,37
